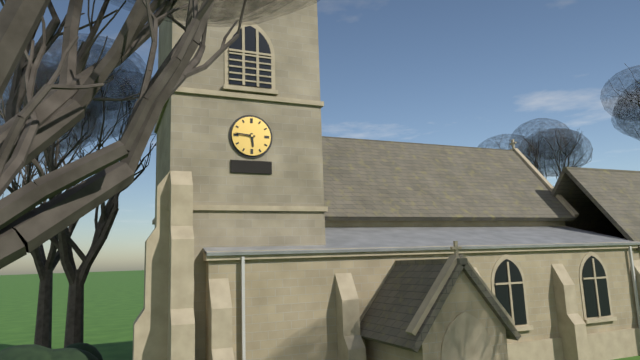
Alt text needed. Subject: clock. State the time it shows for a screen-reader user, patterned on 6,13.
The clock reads 5,46
